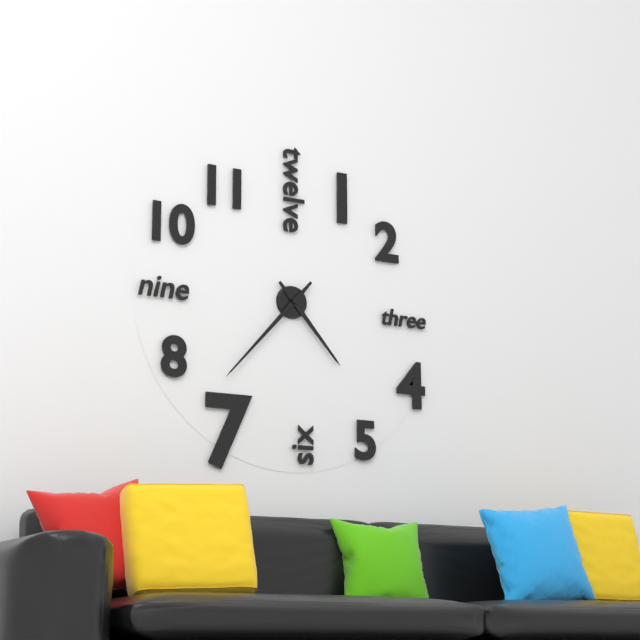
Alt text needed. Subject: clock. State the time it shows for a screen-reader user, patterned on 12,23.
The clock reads 4,37
